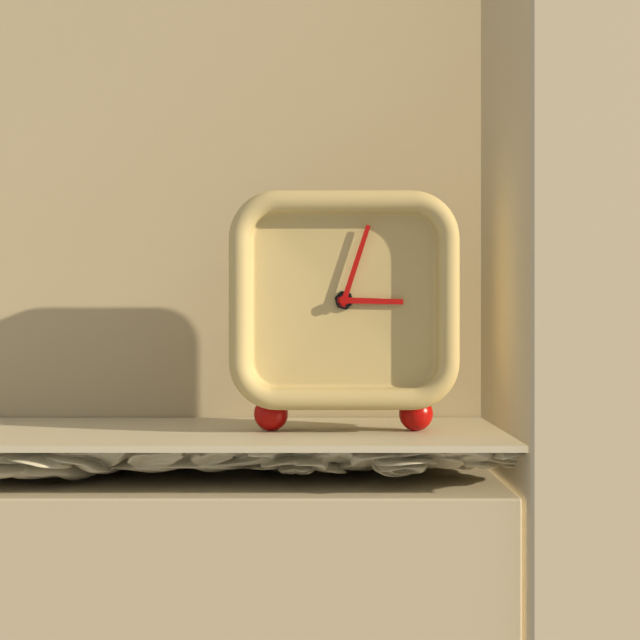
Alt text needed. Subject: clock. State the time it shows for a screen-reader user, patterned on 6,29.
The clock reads 3,03
